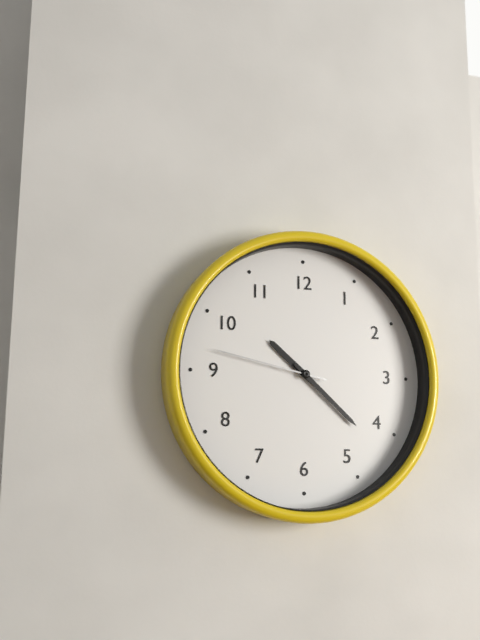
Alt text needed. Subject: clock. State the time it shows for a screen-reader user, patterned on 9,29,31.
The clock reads 10,22,47
